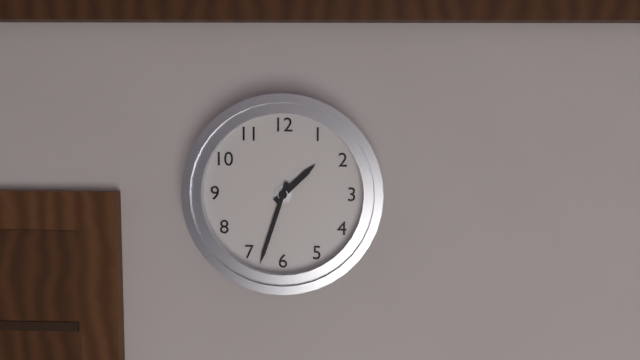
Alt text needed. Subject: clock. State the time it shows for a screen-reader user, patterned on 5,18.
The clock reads 1,33
